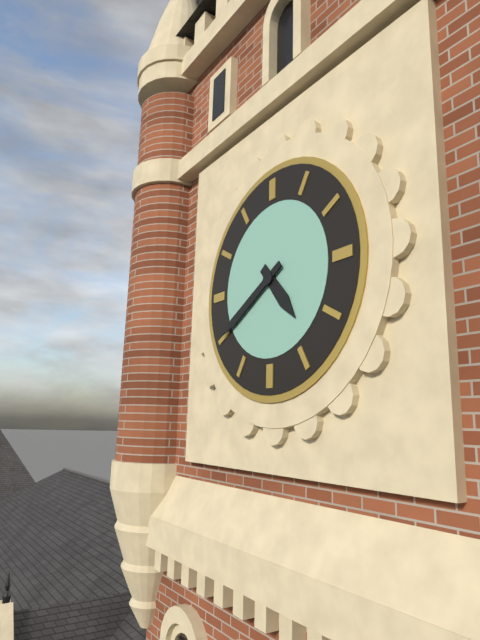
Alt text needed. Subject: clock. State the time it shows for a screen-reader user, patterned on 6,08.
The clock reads 4,40
